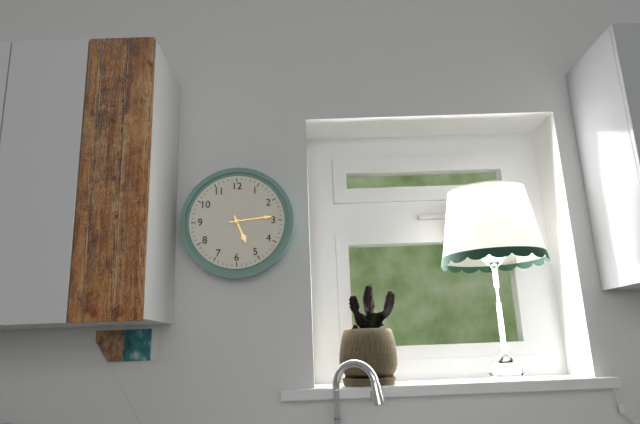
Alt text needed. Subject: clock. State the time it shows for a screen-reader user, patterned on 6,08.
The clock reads 5,14
